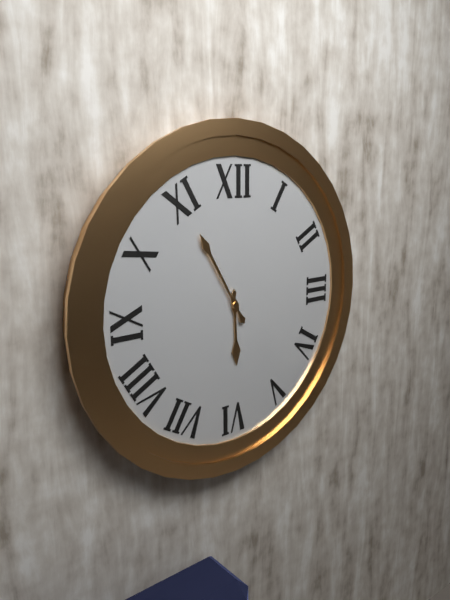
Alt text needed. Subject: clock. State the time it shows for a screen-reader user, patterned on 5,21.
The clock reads 5,55
